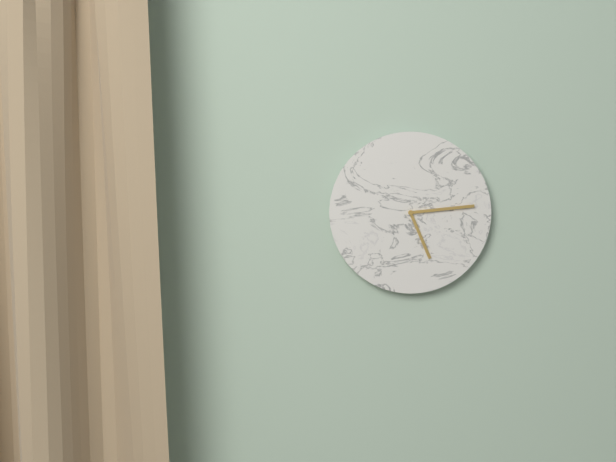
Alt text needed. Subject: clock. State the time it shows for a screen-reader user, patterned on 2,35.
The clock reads 5,14
